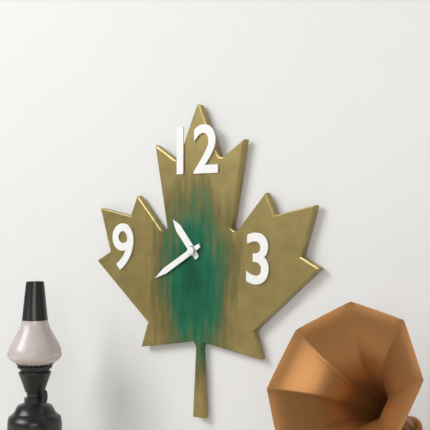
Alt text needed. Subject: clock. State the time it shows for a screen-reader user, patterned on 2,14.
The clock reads 10,40
